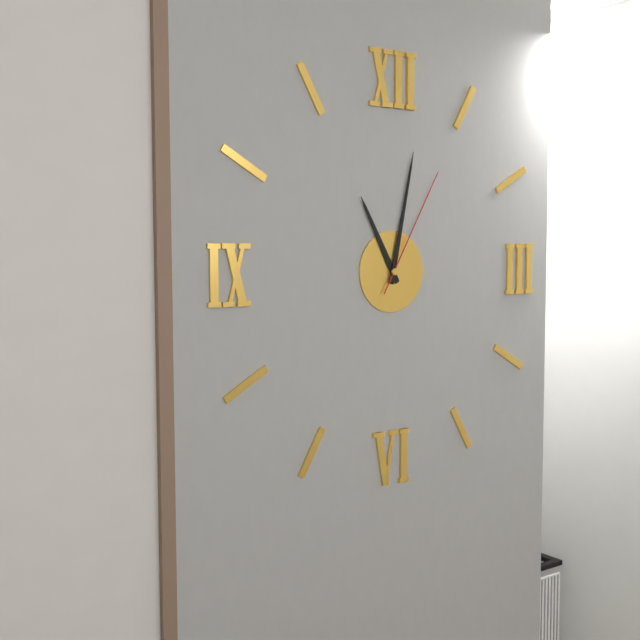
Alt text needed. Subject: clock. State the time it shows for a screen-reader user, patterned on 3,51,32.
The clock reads 11,02,05
